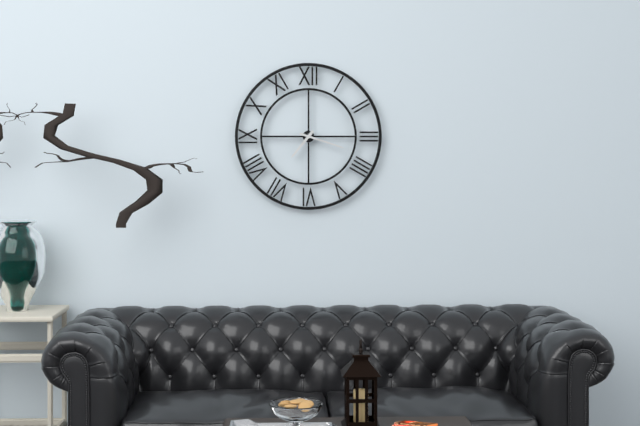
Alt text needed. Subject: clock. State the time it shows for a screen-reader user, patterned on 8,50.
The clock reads 7,18
